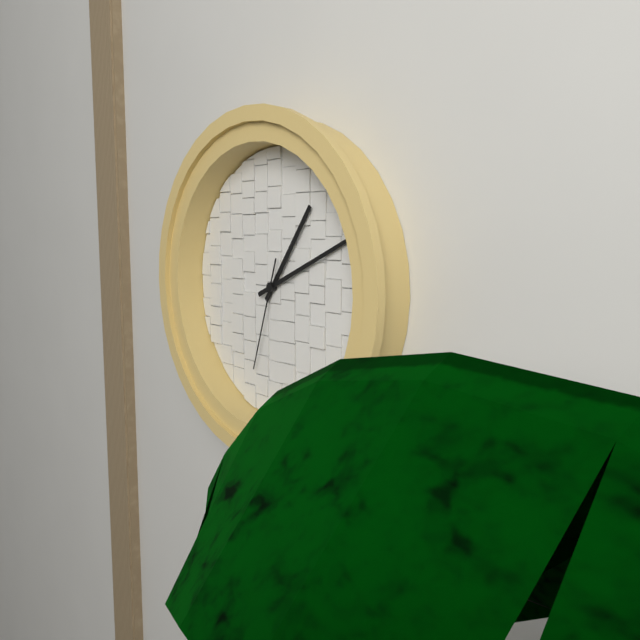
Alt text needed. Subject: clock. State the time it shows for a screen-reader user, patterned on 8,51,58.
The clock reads 1,11,33
